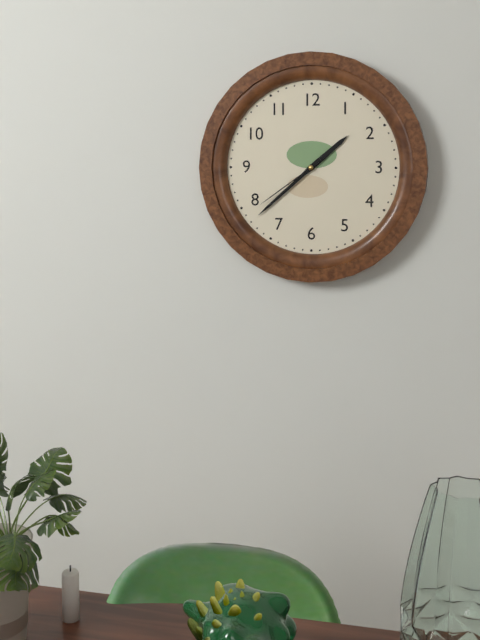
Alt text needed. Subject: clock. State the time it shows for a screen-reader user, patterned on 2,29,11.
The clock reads 1,38,39
